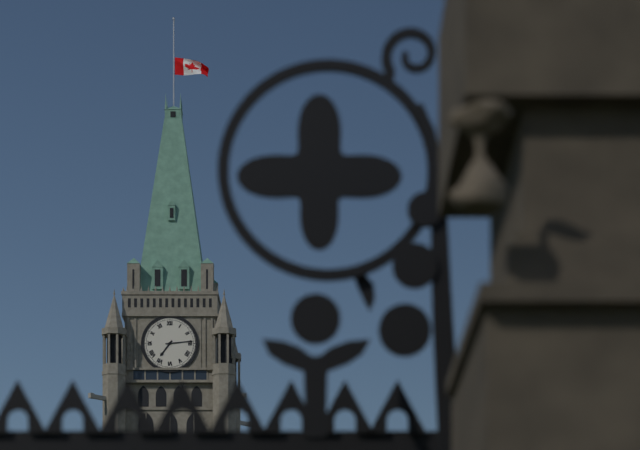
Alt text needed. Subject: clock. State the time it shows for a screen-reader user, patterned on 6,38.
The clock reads 7,14
